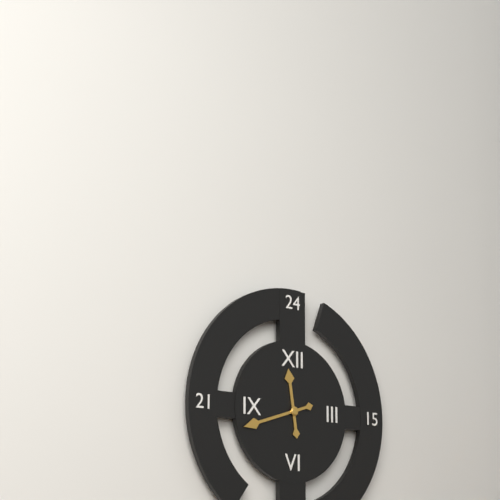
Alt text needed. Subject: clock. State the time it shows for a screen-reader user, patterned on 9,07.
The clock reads 11,42
